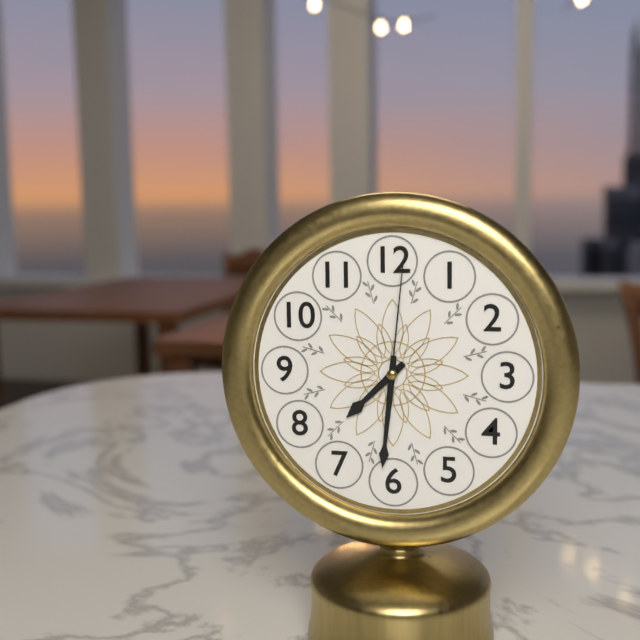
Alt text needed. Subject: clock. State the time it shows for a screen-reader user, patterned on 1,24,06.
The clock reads 7,31,01
